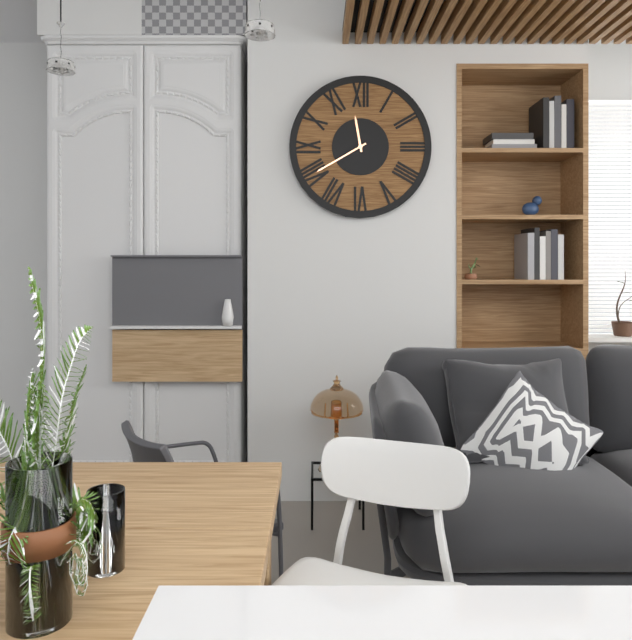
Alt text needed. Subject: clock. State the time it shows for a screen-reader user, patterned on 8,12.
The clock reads 11,40
